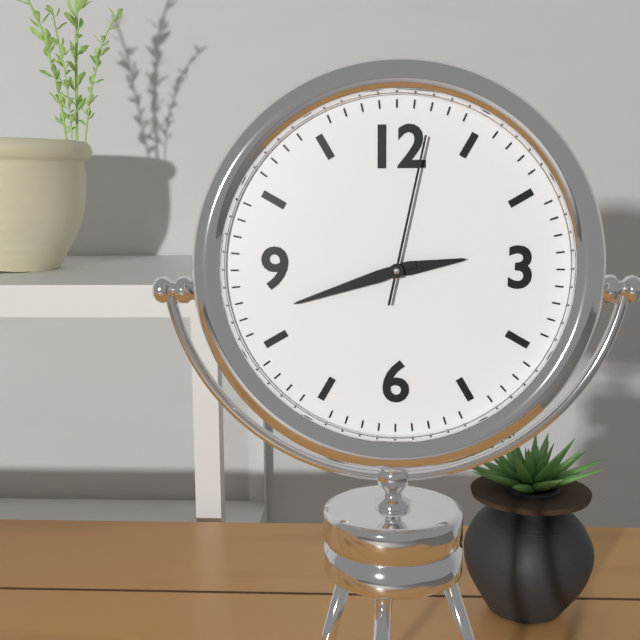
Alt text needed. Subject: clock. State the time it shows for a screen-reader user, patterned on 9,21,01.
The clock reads 2,42,02
